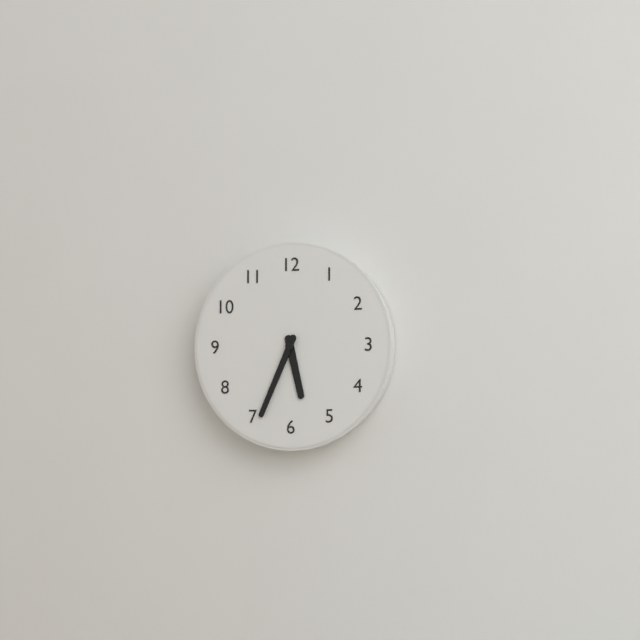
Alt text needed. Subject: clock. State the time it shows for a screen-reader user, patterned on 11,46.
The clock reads 5,34
